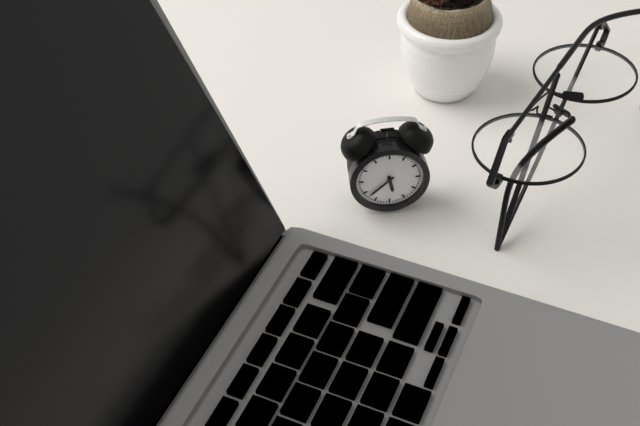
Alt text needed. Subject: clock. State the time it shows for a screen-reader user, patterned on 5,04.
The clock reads 5,38
